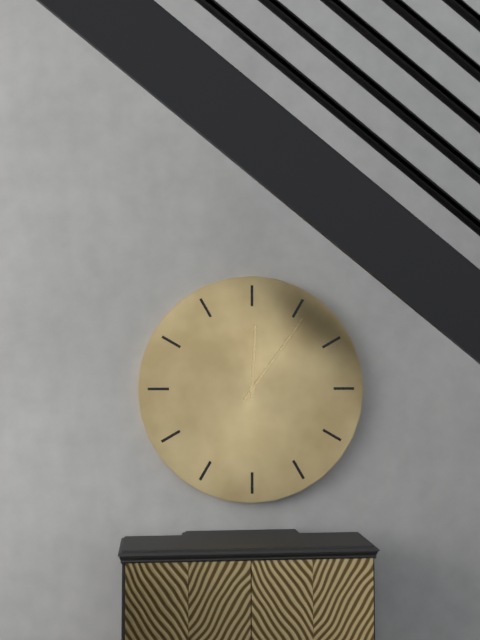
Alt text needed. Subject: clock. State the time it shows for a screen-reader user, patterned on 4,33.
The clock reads 12,06
